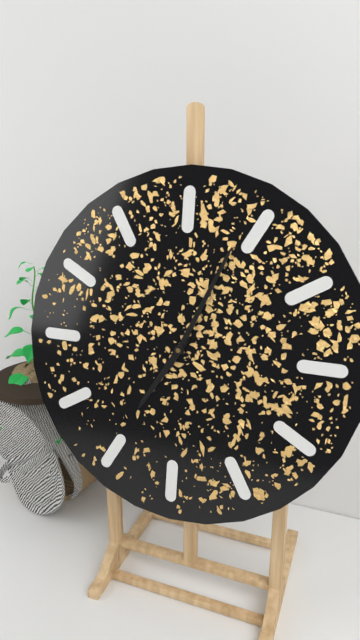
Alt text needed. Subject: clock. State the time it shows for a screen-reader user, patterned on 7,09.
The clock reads 7,04
